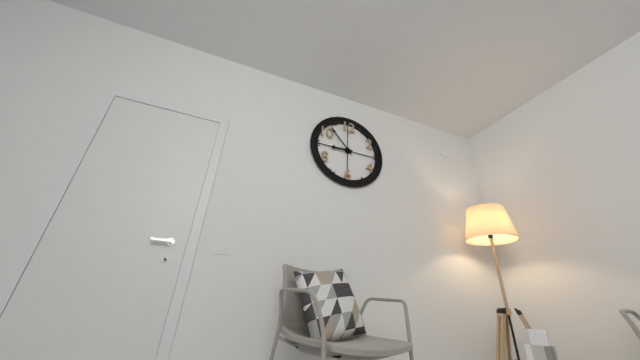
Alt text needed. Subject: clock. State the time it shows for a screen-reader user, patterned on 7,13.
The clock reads 8,53
